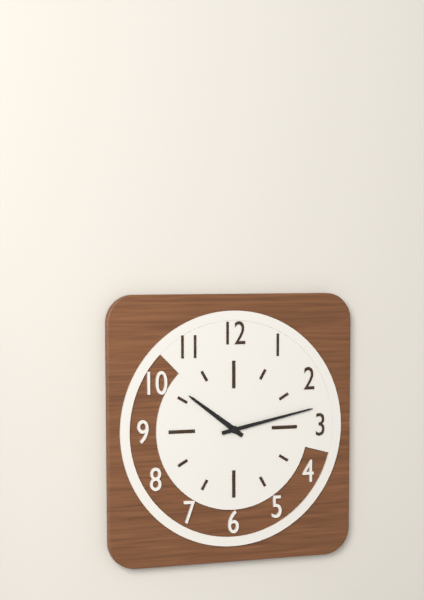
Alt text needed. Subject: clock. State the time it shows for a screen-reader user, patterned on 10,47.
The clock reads 10,13
